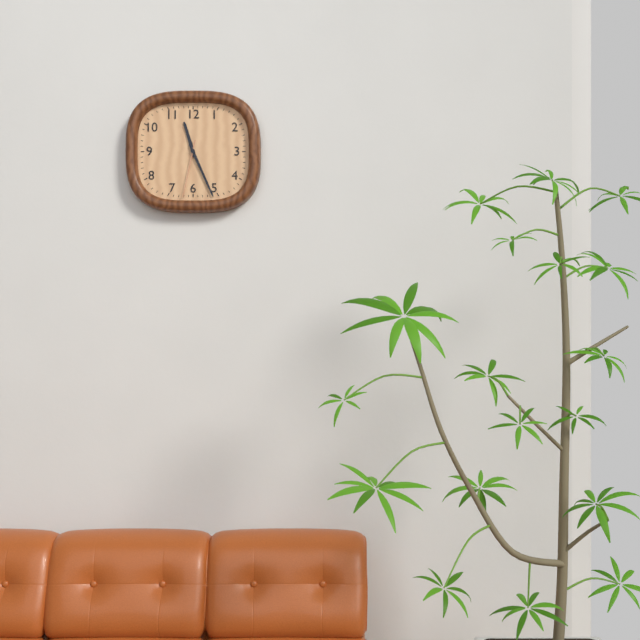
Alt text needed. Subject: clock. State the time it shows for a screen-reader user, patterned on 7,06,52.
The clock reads 11,26,32
